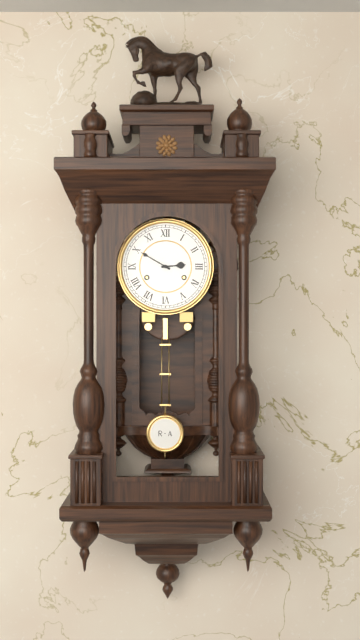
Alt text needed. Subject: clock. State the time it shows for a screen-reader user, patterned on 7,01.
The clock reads 2,50
